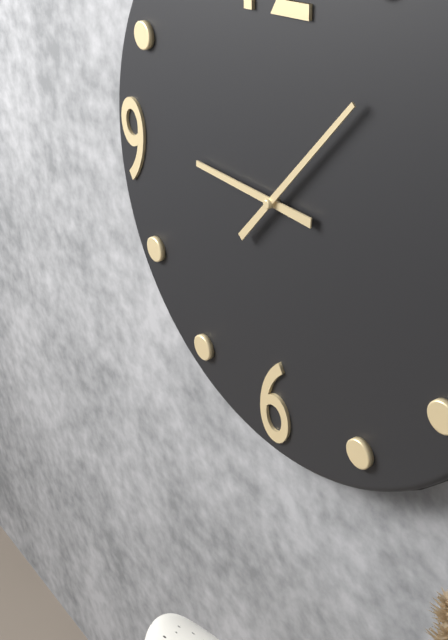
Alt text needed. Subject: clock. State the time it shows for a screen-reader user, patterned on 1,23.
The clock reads 9,07
